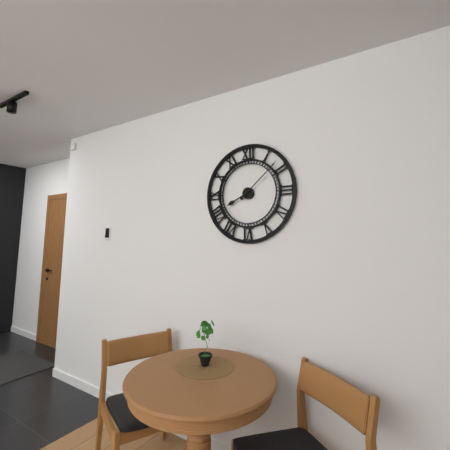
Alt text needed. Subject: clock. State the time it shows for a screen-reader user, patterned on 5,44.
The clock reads 8,08
